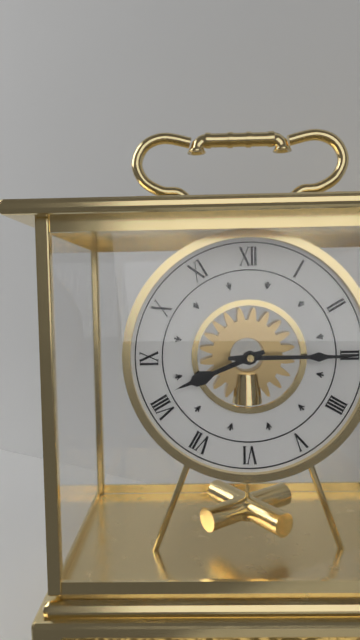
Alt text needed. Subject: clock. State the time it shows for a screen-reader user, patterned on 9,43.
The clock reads 8,15
